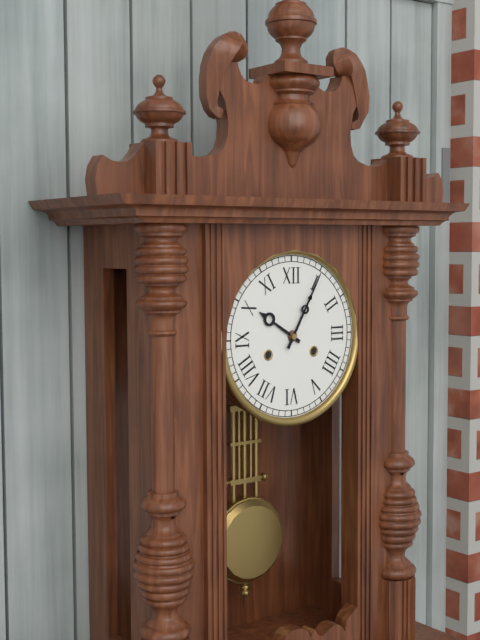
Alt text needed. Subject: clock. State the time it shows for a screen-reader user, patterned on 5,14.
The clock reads 10,05
